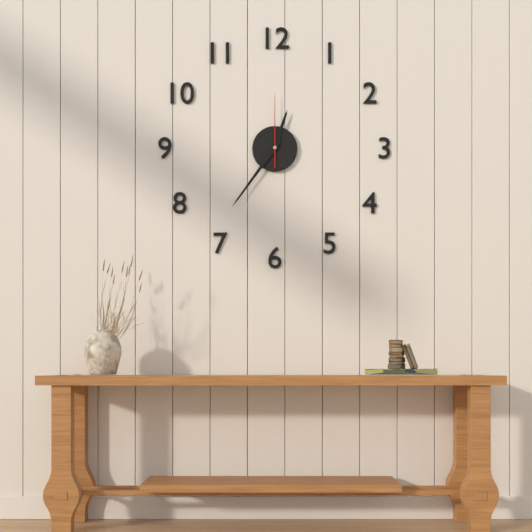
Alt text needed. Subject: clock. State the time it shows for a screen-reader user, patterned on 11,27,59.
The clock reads 12,36,00
